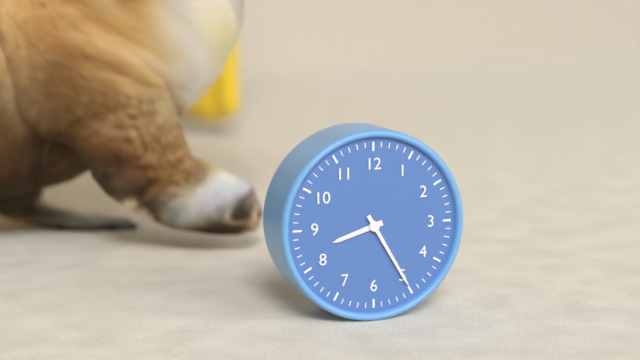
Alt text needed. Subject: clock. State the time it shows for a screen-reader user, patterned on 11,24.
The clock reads 8,25
